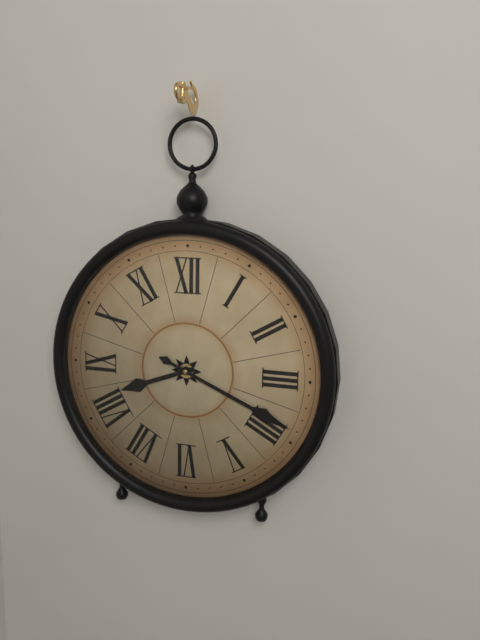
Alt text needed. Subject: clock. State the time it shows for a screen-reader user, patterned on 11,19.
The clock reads 8,19
